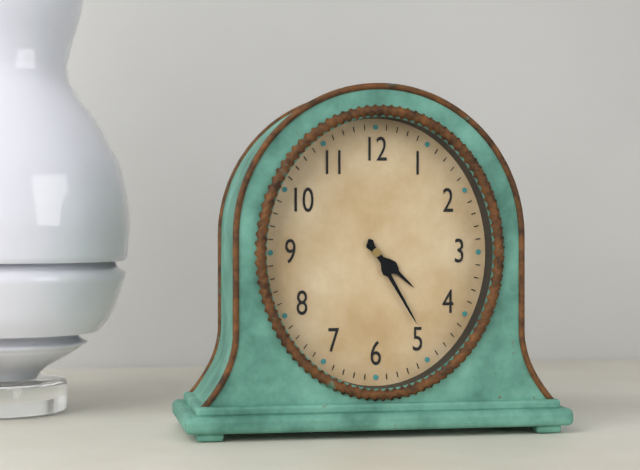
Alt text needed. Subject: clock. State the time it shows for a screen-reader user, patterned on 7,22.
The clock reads 4,25
